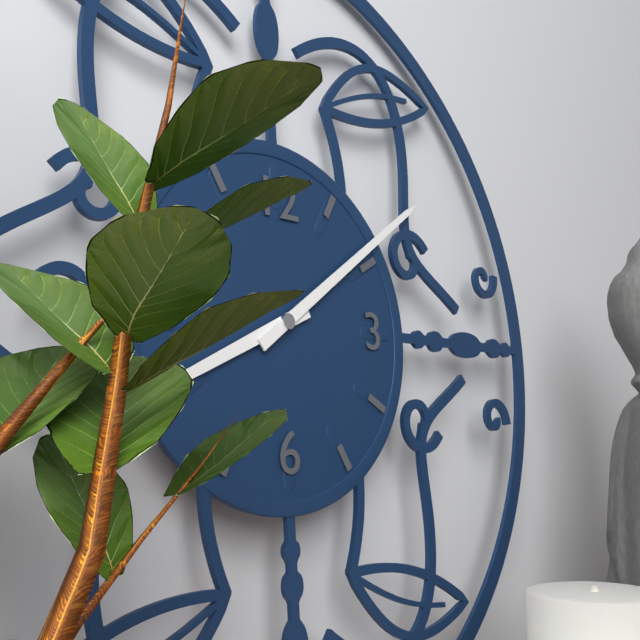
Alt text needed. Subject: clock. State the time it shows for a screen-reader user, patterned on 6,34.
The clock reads 8,09
